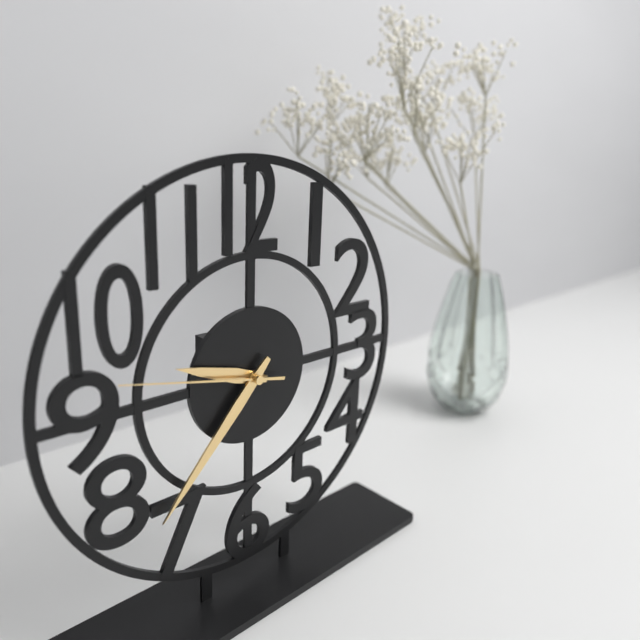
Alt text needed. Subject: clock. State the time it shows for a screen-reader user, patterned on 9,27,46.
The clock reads 9,37,47
